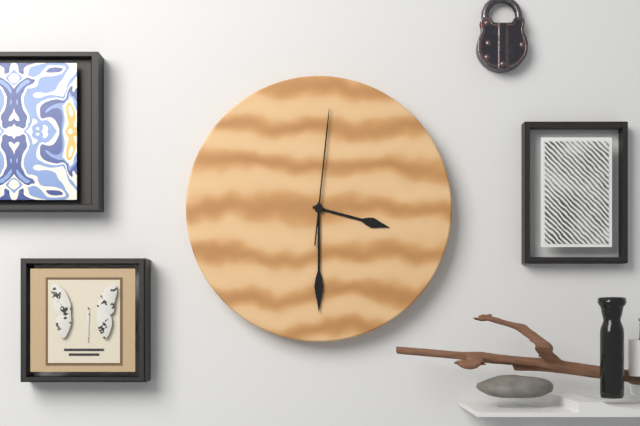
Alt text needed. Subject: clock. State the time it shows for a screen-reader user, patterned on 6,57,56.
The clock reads 3,30,01
